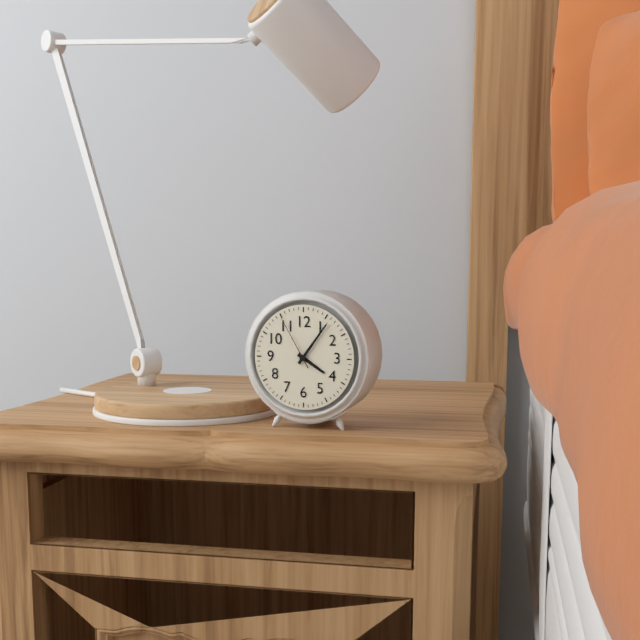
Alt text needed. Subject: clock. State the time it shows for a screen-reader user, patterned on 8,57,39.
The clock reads 4,06,55
